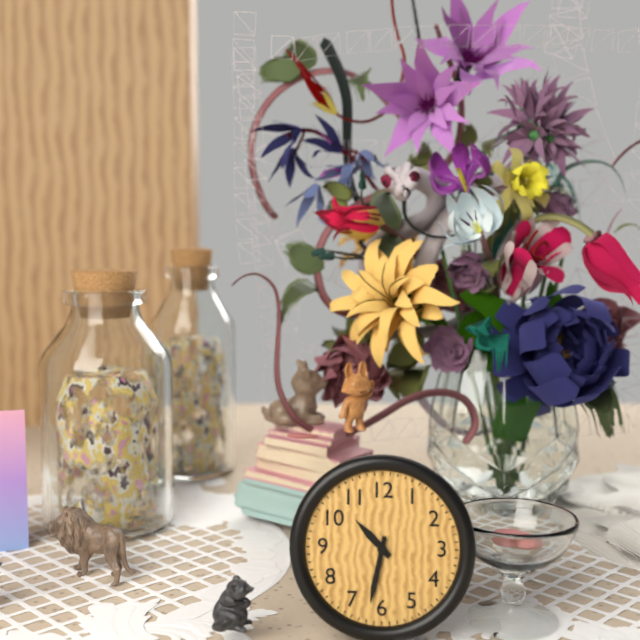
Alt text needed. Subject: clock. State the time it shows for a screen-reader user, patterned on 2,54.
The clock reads 10,32
